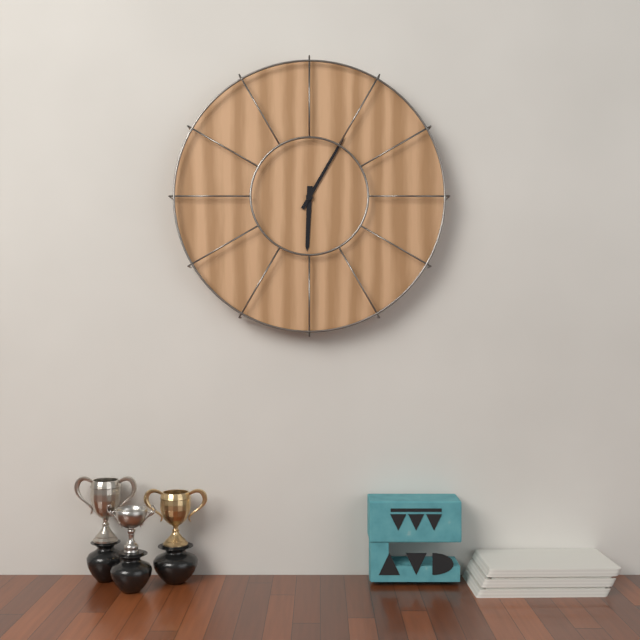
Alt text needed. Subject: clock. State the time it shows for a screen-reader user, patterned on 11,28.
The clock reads 6,05
